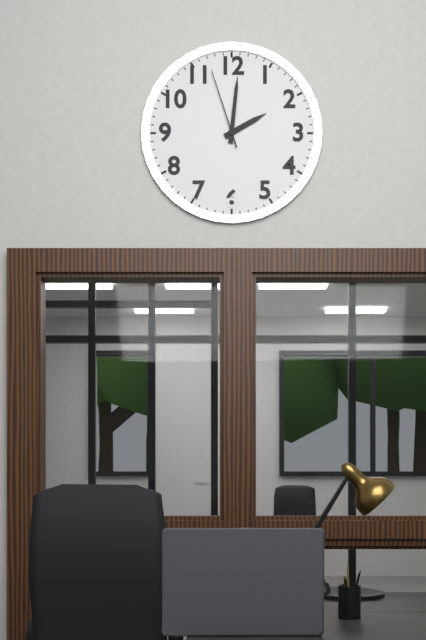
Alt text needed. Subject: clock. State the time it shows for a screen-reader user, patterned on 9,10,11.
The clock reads 2,01,57
